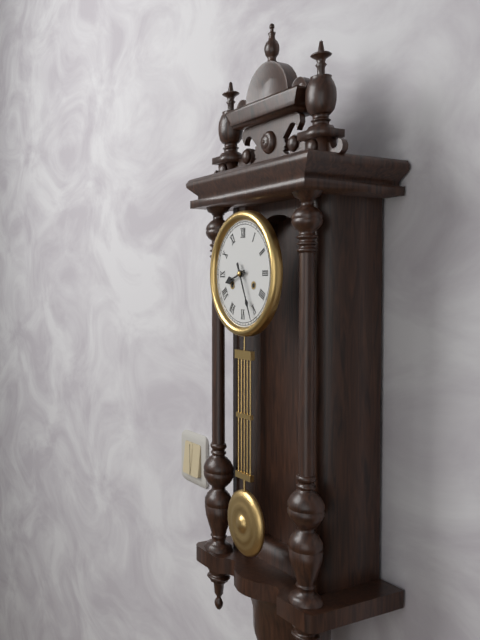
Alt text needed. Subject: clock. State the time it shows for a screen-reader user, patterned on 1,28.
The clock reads 8,26
